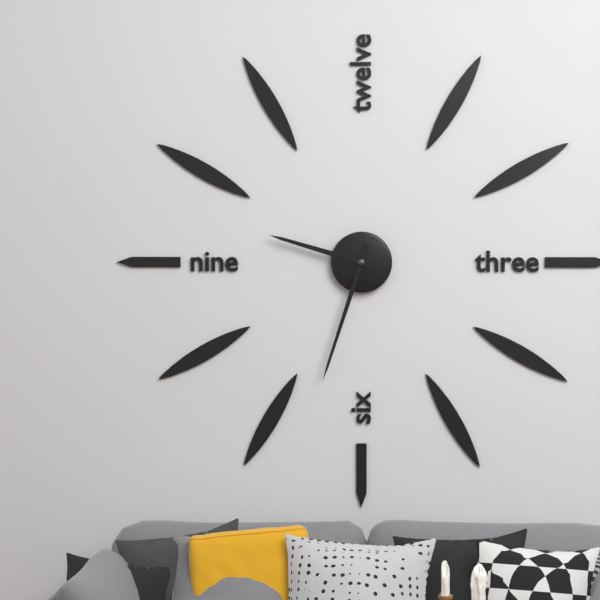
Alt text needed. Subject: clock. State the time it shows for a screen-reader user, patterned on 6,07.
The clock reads 9,33
